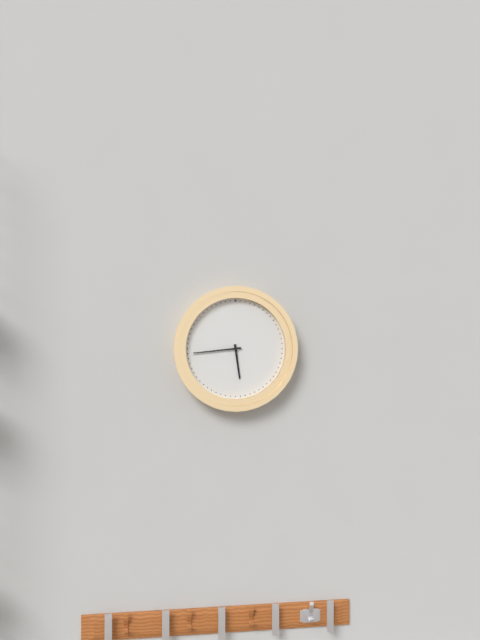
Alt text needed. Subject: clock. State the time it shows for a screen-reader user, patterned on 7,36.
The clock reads 5,44
